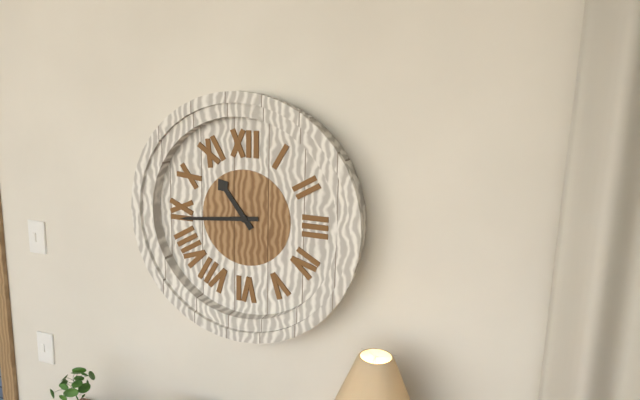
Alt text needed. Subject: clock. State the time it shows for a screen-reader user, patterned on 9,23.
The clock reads 10,44
